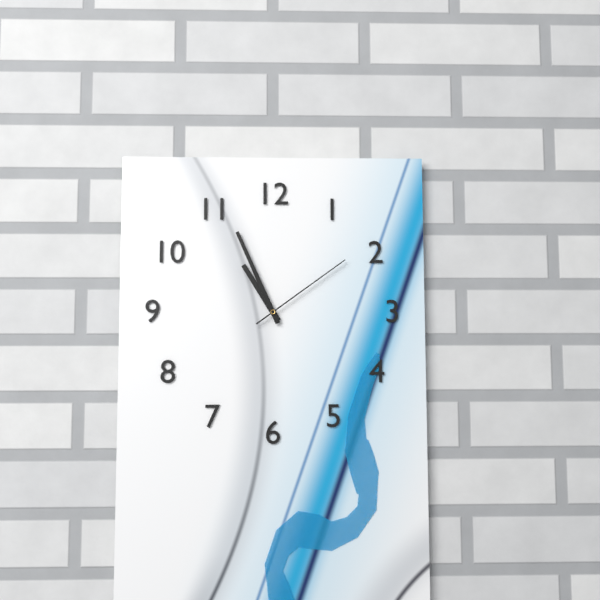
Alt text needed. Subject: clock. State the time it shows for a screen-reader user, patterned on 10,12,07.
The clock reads 10,56,09
